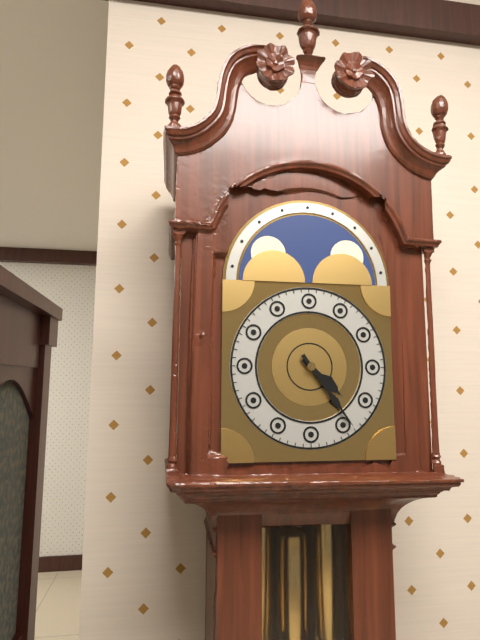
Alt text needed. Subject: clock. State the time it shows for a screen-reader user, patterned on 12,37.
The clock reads 4,24
